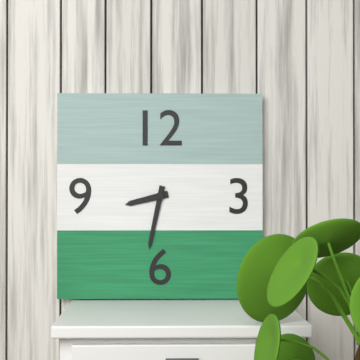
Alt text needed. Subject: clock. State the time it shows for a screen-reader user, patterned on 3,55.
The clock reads 8,32
